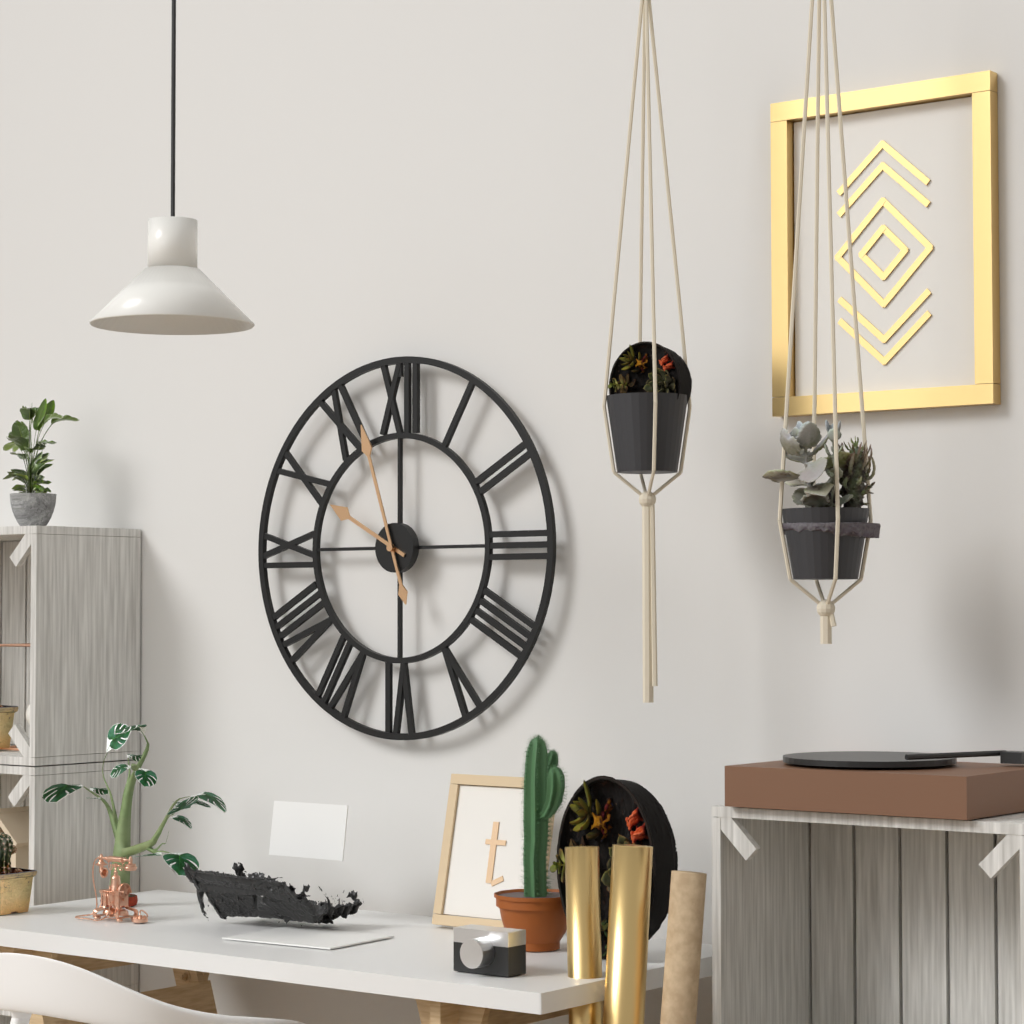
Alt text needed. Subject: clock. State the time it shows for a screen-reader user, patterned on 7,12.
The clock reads 9,57
